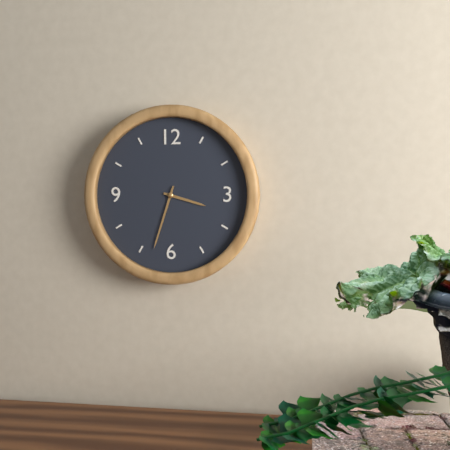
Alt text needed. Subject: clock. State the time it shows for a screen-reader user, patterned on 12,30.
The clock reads 3,33
